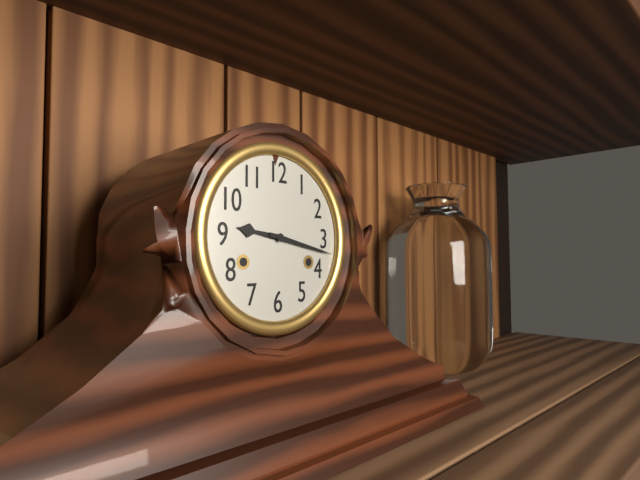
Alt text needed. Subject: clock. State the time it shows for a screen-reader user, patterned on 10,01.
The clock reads 9,17
